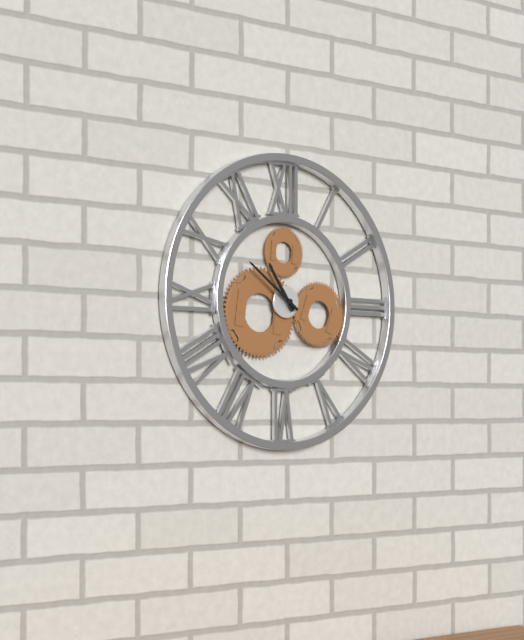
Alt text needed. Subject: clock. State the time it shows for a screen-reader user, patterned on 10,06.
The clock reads 10,51
